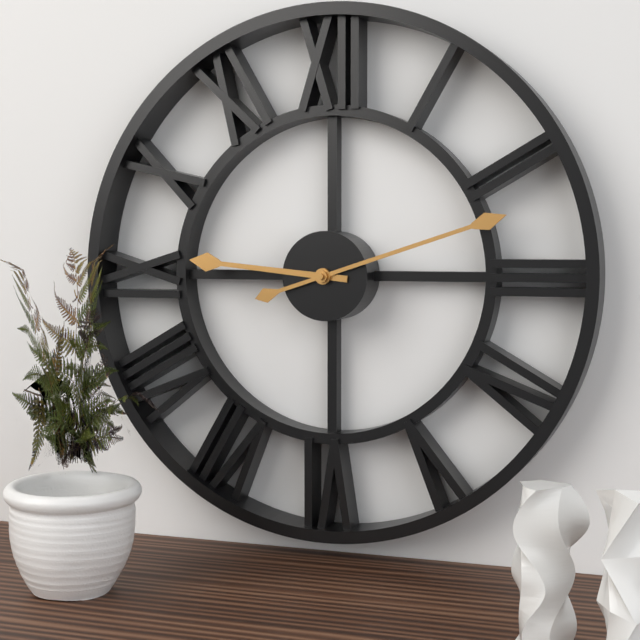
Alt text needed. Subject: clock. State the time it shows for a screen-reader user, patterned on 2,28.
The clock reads 9,12
